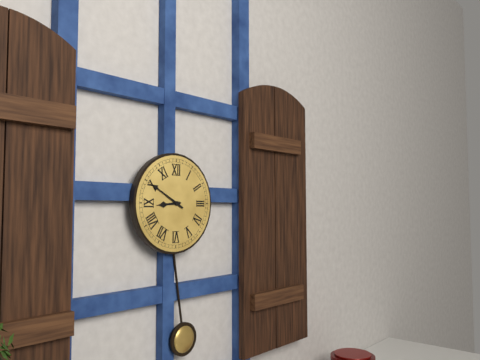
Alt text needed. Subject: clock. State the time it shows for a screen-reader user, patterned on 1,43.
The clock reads 8,50
